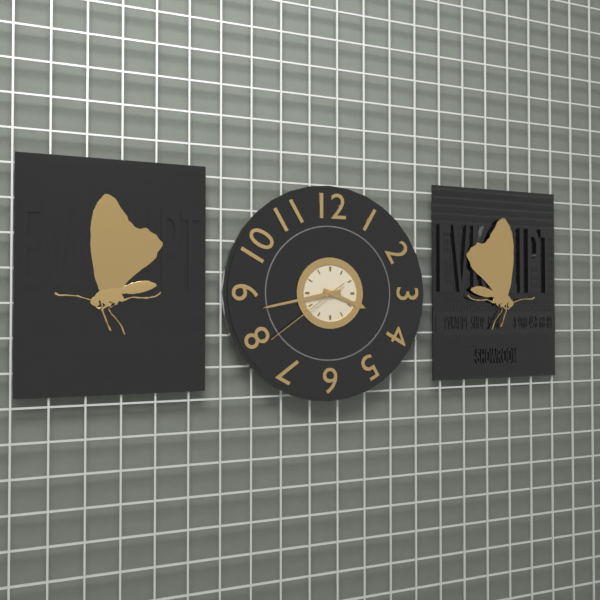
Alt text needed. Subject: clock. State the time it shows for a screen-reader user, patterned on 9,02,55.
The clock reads 3,43,39
